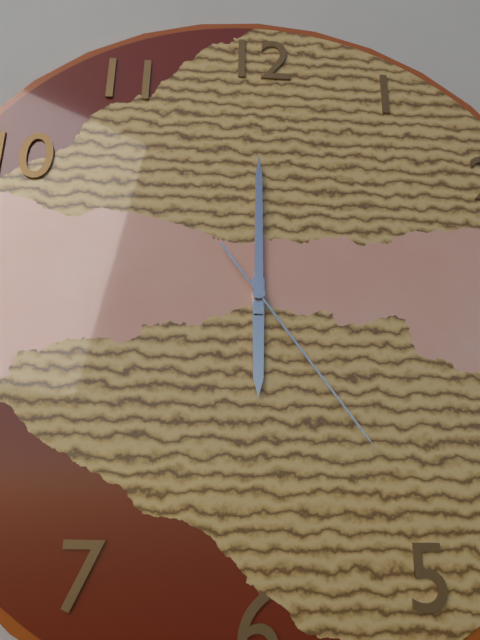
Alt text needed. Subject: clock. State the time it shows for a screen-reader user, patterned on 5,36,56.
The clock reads 6,00,24
